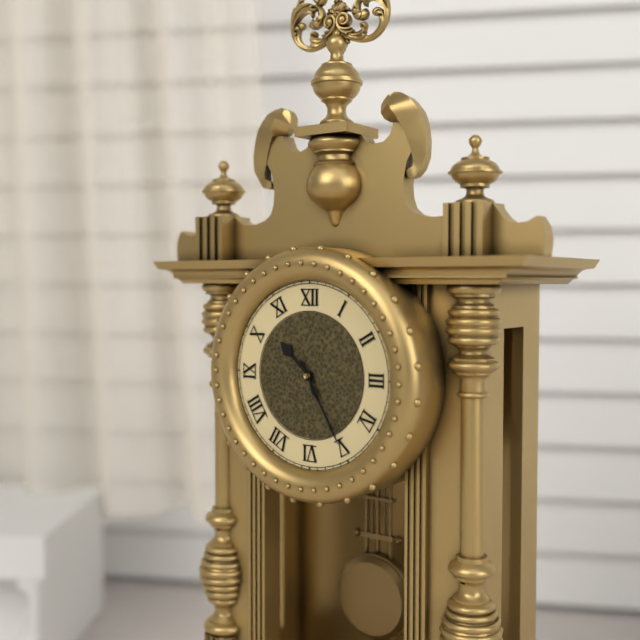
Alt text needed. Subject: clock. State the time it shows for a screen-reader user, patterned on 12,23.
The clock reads 10,25
